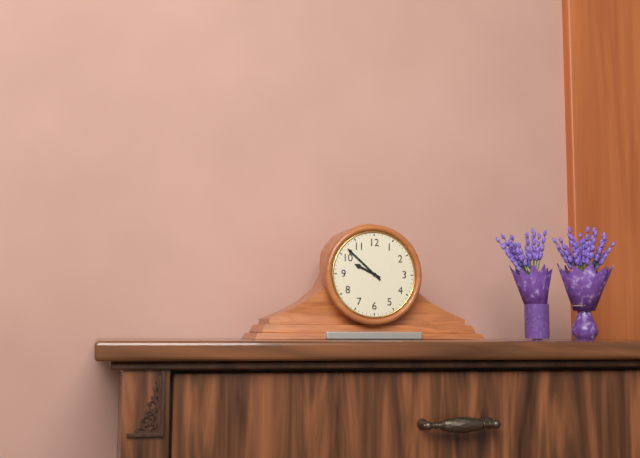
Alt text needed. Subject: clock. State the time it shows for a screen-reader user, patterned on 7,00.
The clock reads 9,52
